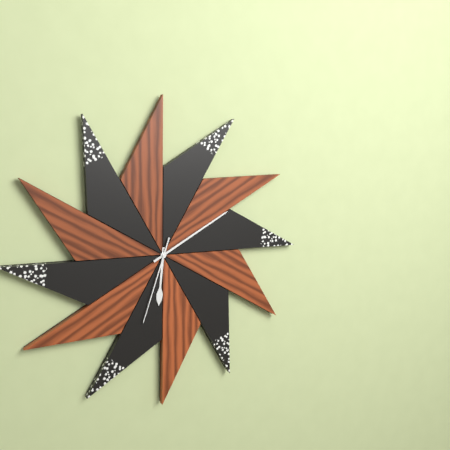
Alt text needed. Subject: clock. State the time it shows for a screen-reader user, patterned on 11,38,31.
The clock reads 6,10,33
